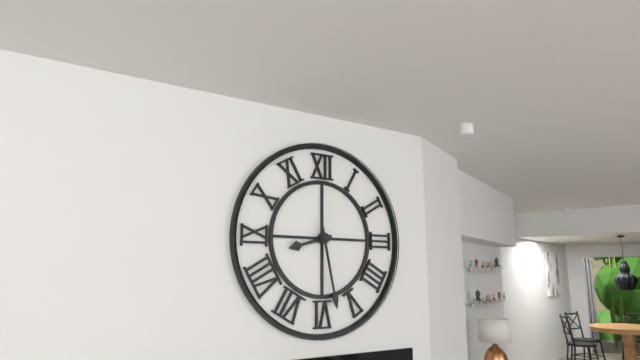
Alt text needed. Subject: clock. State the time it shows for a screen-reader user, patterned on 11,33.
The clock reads 8,28
